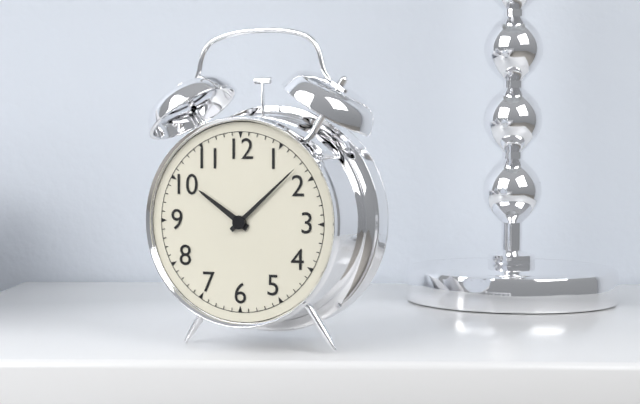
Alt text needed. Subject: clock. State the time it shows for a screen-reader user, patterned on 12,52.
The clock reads 10,08
